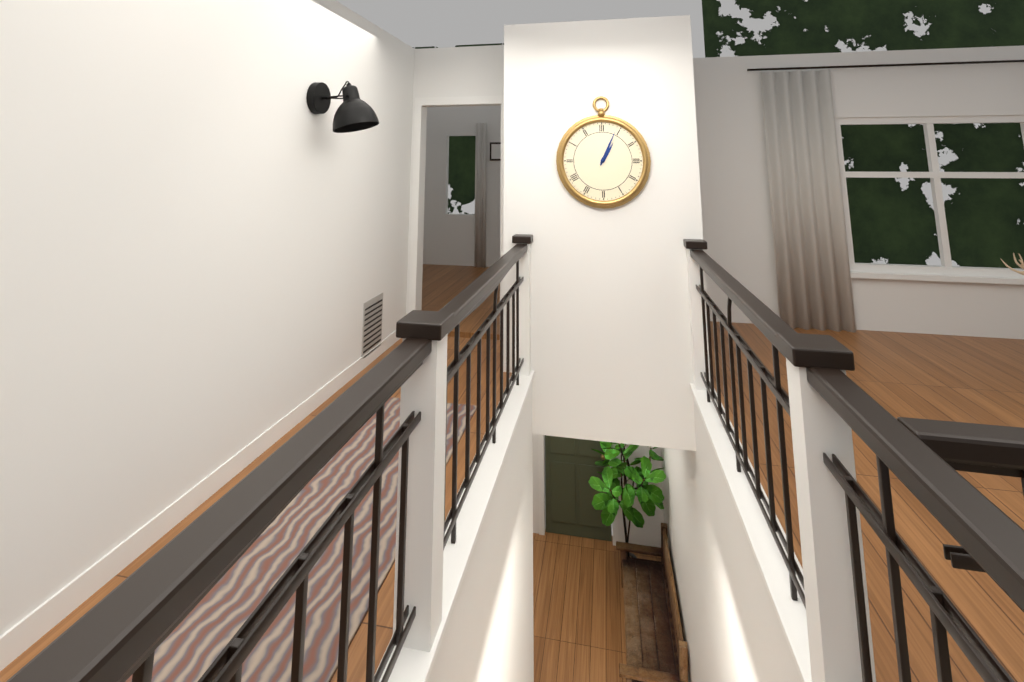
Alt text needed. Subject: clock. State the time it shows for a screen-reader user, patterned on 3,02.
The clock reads 1,04
